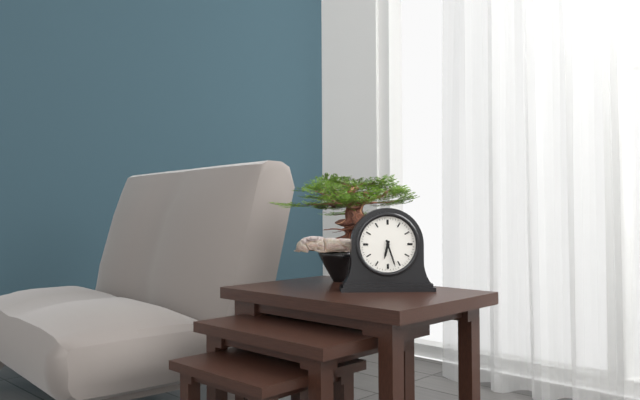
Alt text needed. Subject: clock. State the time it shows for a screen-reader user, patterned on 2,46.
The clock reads 6,27
